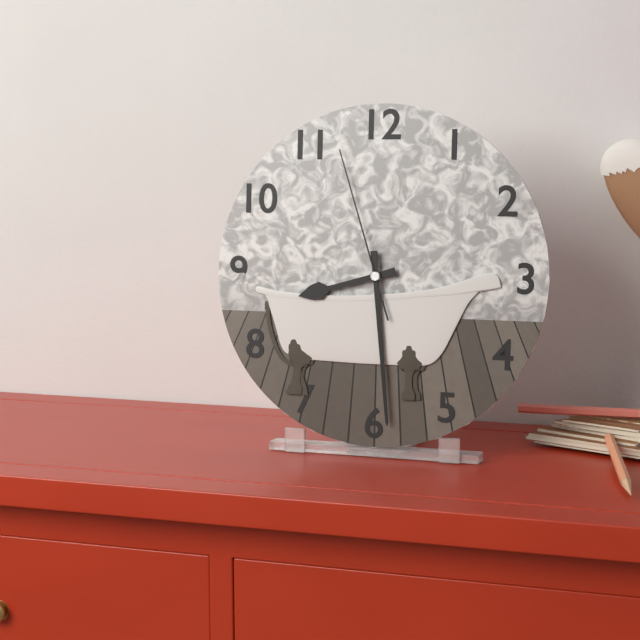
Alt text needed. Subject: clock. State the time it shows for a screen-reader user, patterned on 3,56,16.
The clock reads 8,29,57
